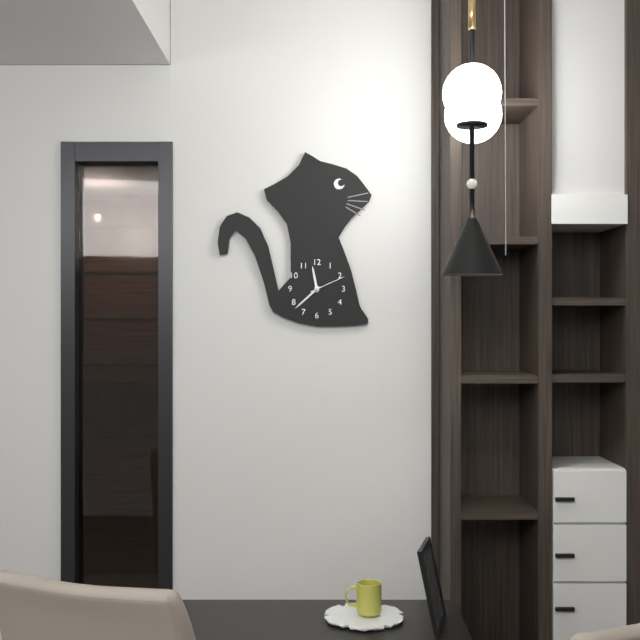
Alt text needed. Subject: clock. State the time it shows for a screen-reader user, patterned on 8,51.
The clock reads 11,38
